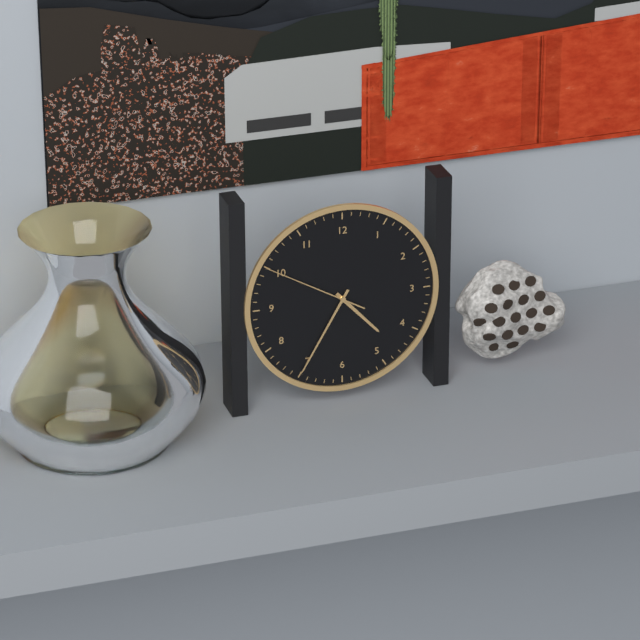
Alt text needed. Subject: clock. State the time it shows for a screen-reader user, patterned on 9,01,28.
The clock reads 4,35,50
